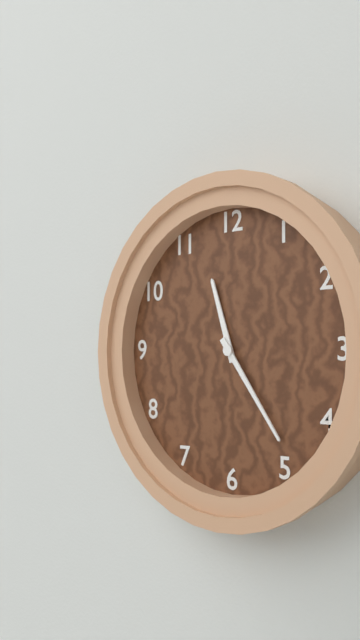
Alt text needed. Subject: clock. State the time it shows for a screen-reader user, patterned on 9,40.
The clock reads 11,24
